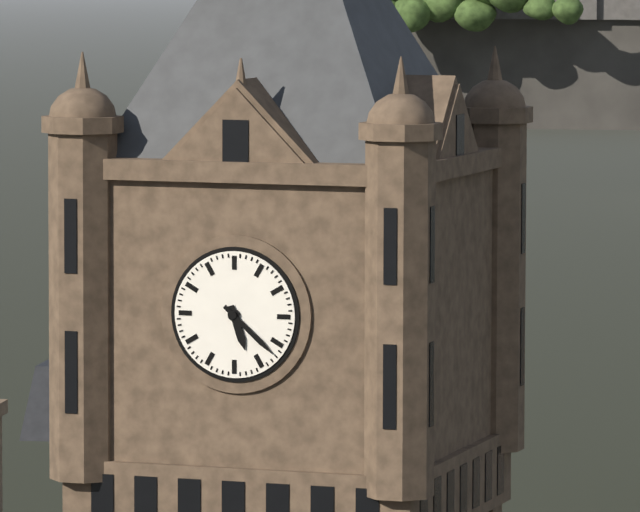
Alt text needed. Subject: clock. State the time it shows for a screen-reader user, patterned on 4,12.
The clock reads 5,22
